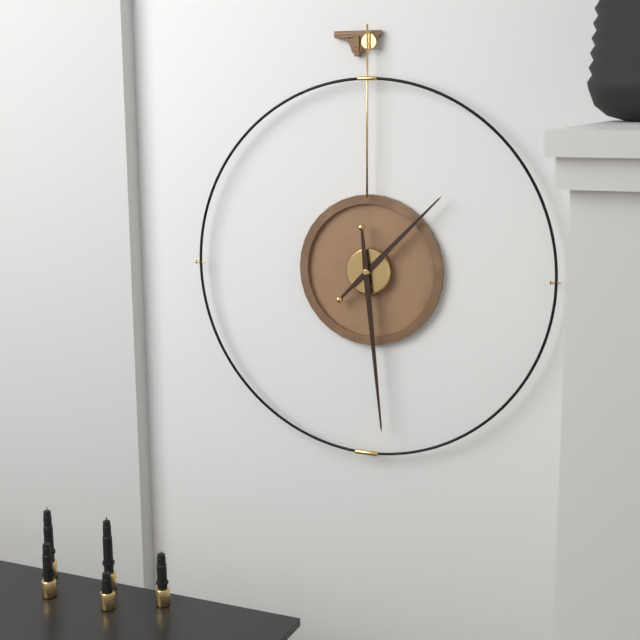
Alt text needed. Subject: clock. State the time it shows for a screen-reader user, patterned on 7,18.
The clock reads 1,29
